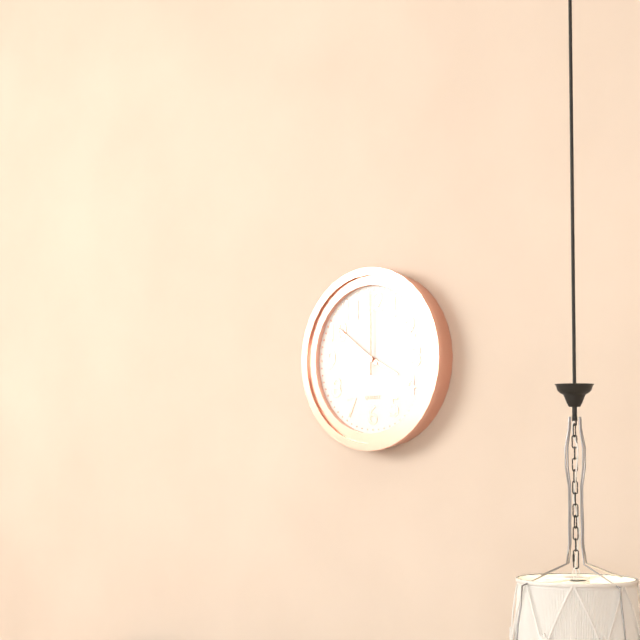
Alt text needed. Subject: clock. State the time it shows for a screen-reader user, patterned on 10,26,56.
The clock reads 3,51,00
